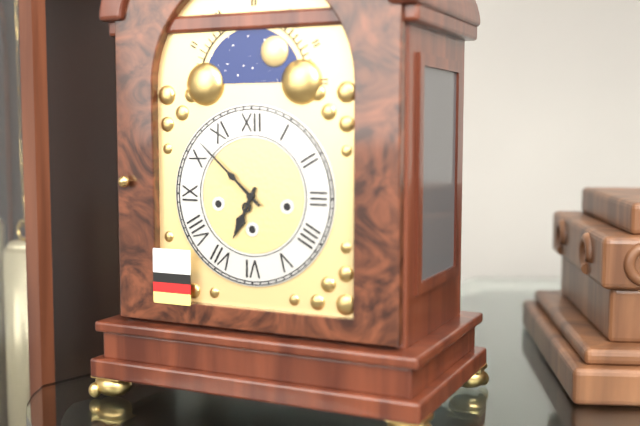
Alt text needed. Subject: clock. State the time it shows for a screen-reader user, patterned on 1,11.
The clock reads 6,52
